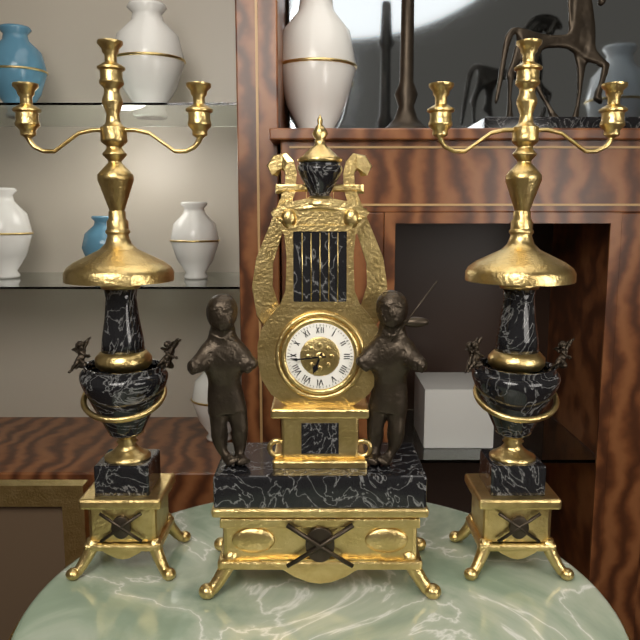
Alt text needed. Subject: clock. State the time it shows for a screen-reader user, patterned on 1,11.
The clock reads 6,44
